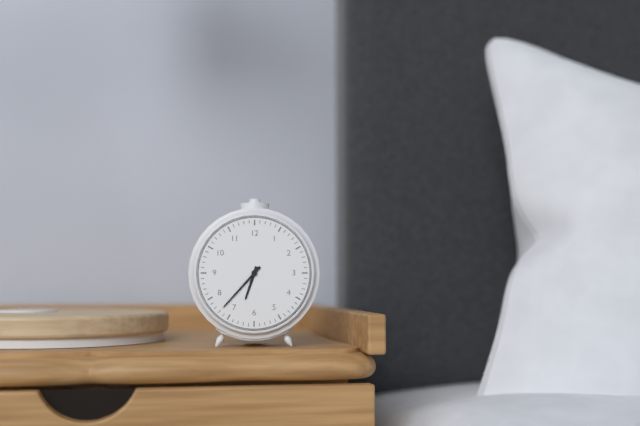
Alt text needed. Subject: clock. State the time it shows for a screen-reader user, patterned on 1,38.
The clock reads 6,37
